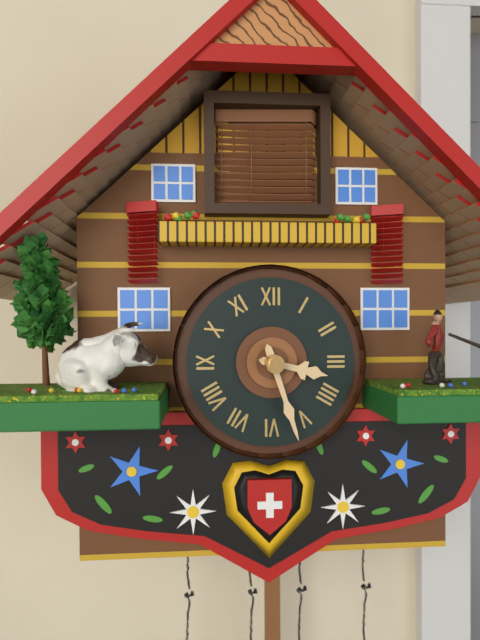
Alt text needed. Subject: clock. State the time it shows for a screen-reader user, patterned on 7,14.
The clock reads 3,27
